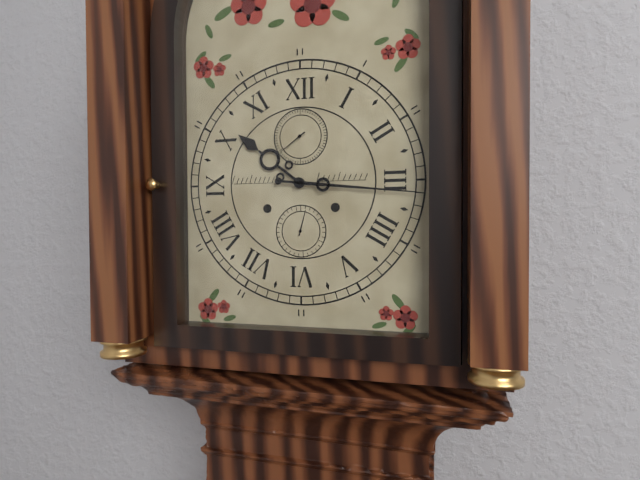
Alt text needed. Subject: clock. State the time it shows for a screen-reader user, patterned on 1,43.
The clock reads 10,16
